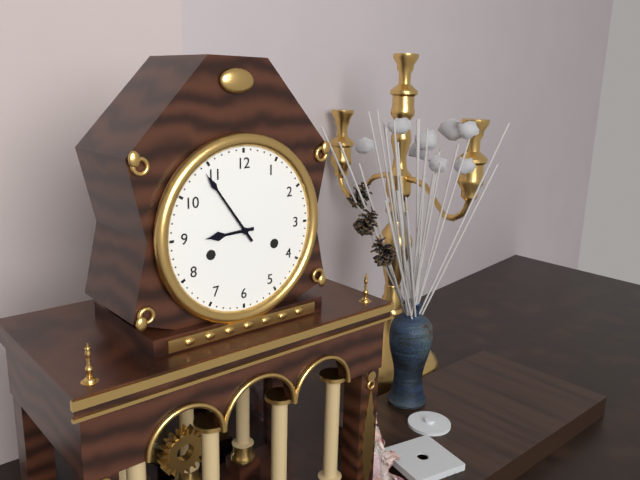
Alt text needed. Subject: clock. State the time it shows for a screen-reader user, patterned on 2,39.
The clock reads 8,54
